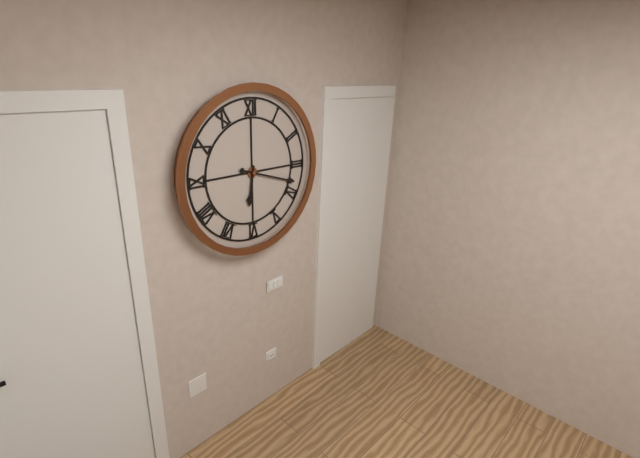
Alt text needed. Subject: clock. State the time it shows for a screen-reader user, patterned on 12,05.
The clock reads 6,18
